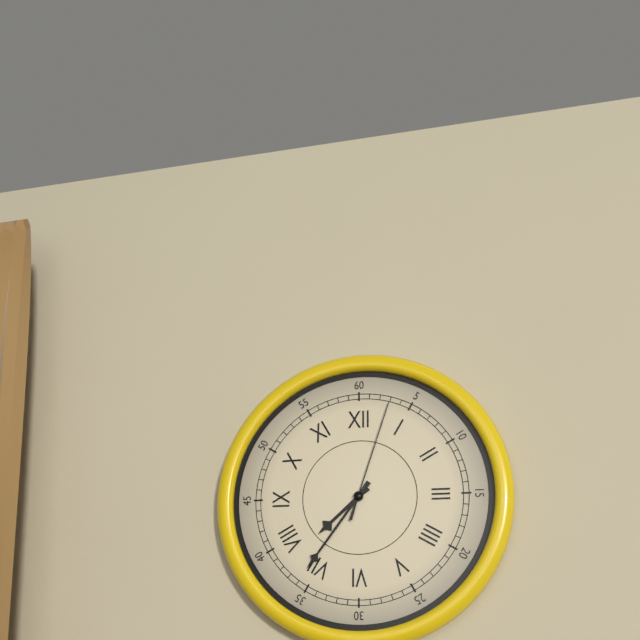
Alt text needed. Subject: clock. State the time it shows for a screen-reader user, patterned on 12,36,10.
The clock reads 7,36,03
